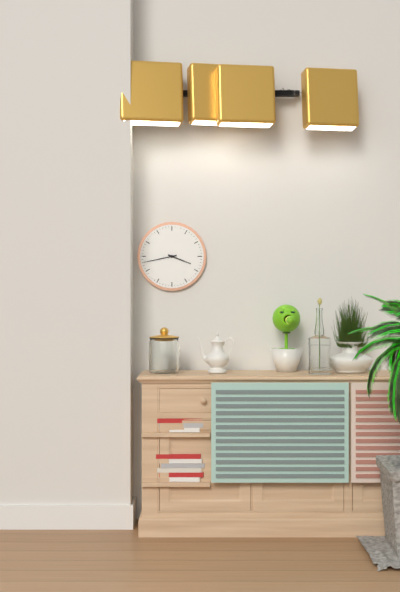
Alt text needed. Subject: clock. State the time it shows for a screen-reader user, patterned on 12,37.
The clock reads 3,43
